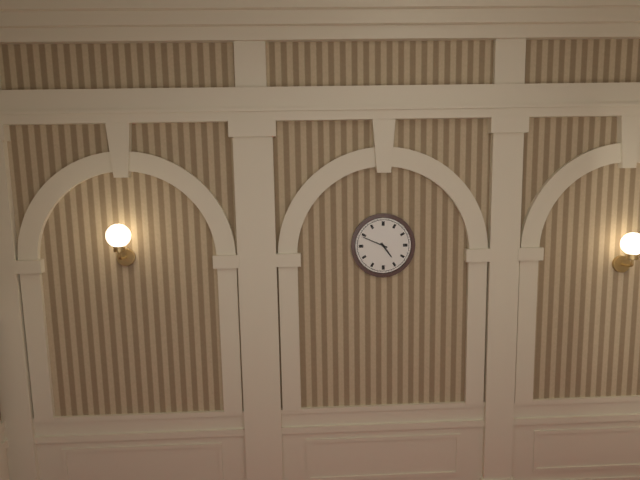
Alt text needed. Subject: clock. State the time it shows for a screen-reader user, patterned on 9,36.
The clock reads 4,49
